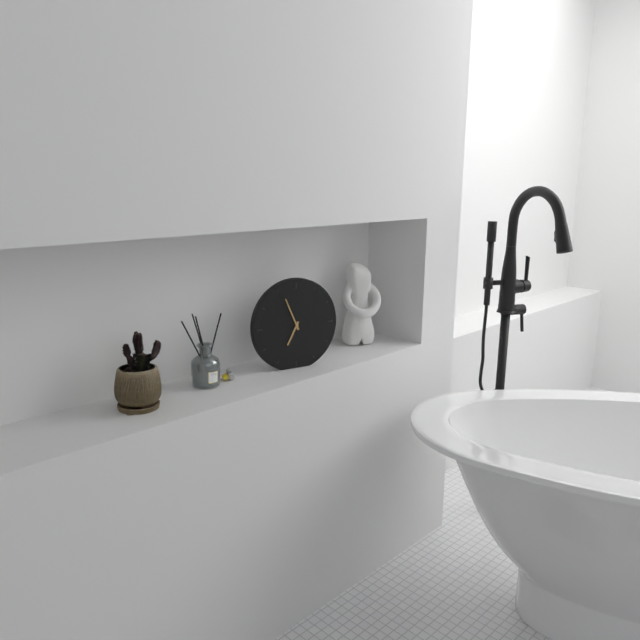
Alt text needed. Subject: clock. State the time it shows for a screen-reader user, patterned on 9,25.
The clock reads 6,56
